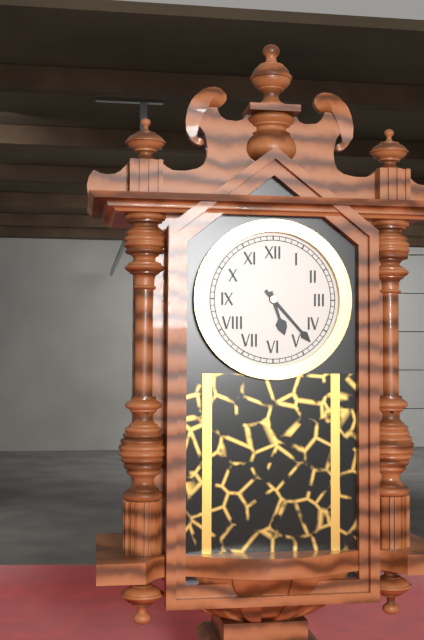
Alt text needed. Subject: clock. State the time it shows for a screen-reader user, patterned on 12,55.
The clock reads 5,23
